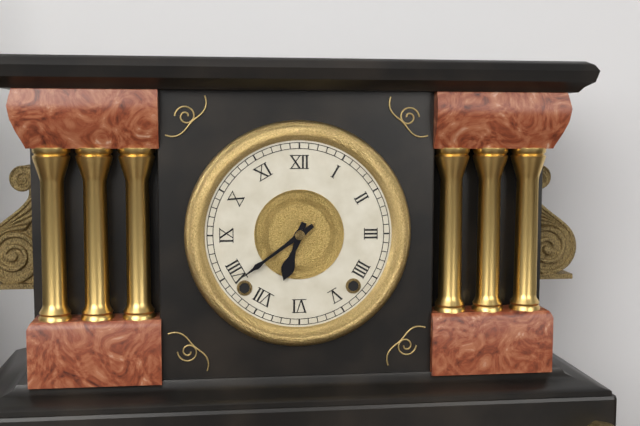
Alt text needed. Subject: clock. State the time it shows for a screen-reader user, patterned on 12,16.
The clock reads 6,39
